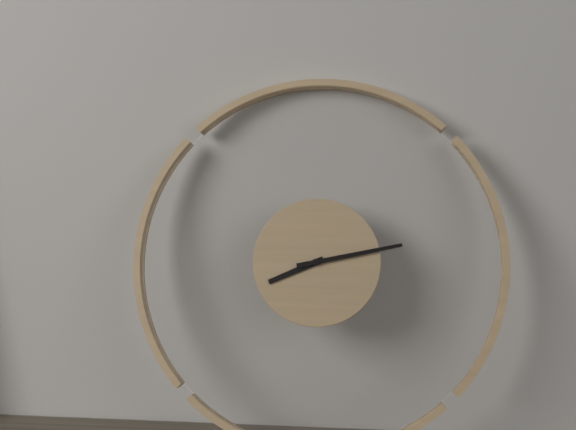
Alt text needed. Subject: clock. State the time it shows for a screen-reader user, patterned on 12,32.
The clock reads 8,13
